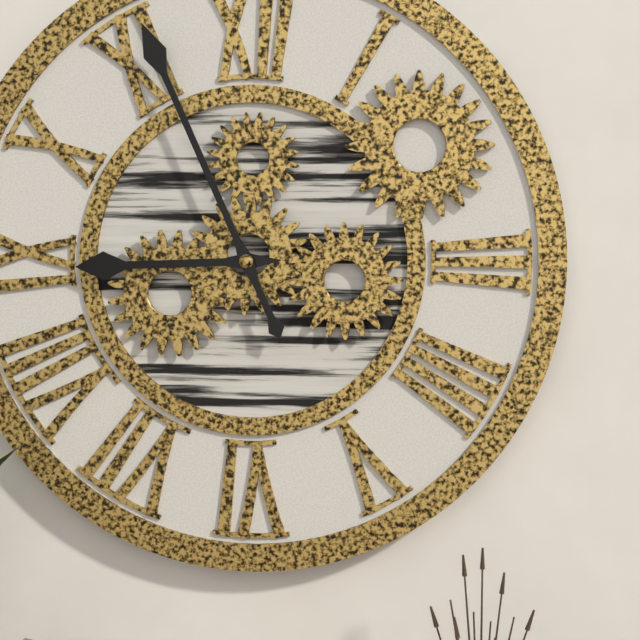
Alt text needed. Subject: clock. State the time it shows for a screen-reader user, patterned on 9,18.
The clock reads 8,56
